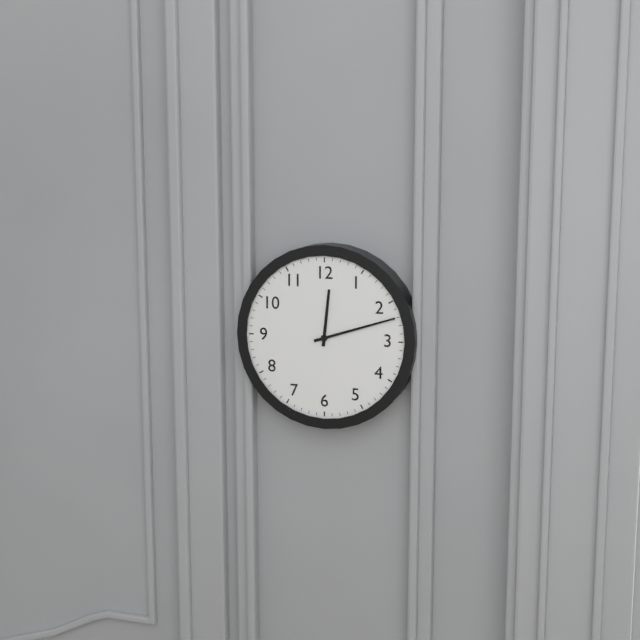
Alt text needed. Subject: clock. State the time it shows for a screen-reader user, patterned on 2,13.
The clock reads 12,12
